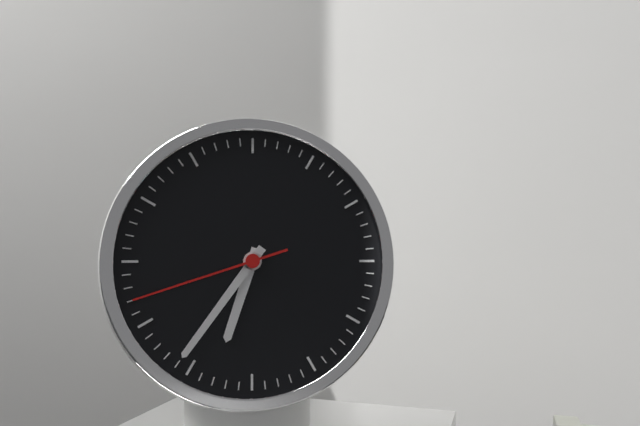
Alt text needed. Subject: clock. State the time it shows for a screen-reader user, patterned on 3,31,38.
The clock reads 6,36,42
